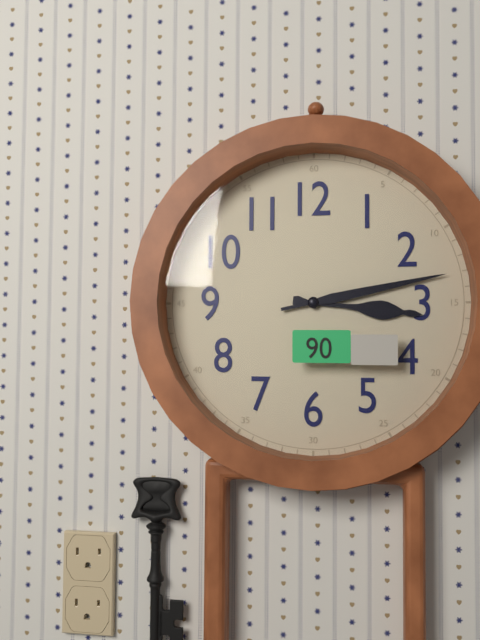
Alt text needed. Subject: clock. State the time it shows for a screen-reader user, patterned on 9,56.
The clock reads 3,13
